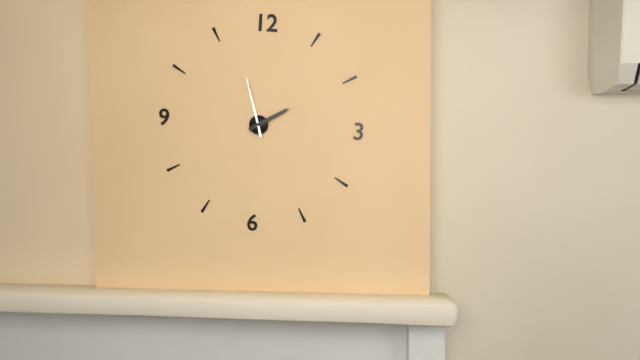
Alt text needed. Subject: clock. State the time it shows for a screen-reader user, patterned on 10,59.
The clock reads 1,57
